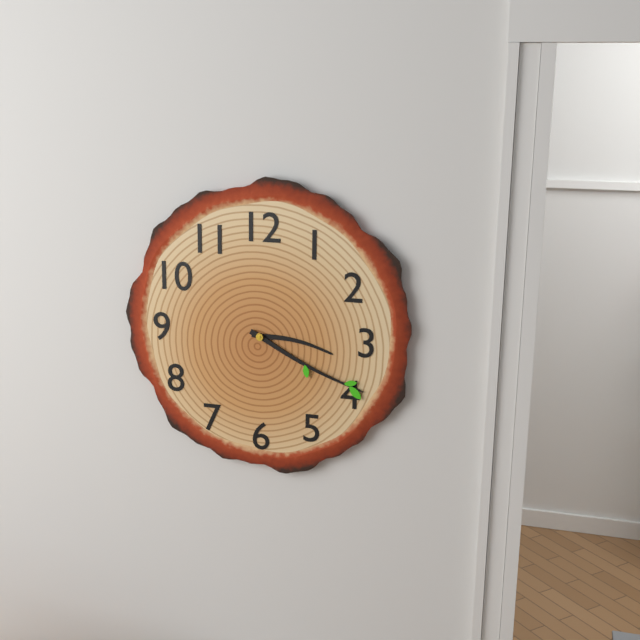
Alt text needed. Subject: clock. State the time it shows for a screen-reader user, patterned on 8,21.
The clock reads 3,19
